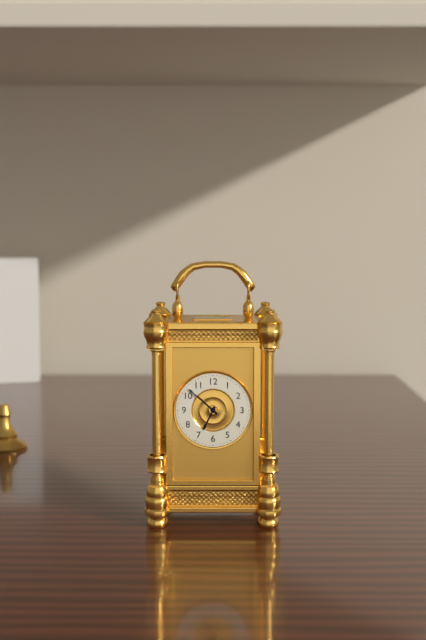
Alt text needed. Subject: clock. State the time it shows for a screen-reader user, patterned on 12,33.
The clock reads 6,52
